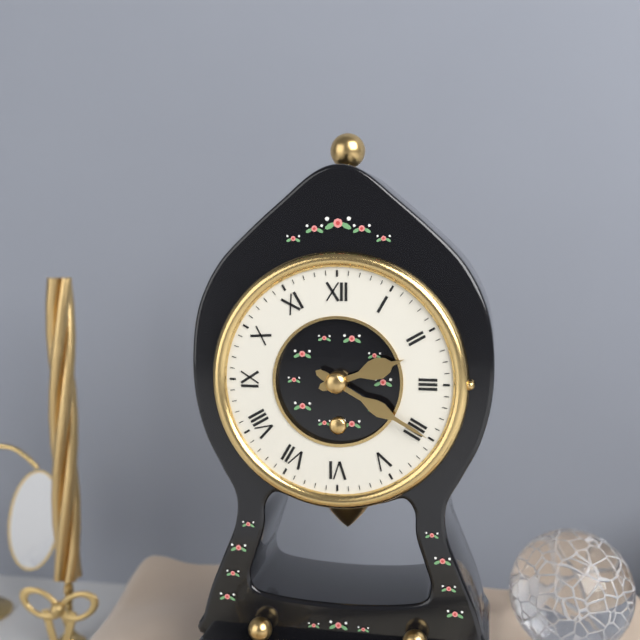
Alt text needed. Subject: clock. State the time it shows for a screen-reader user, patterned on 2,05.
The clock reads 2,20
